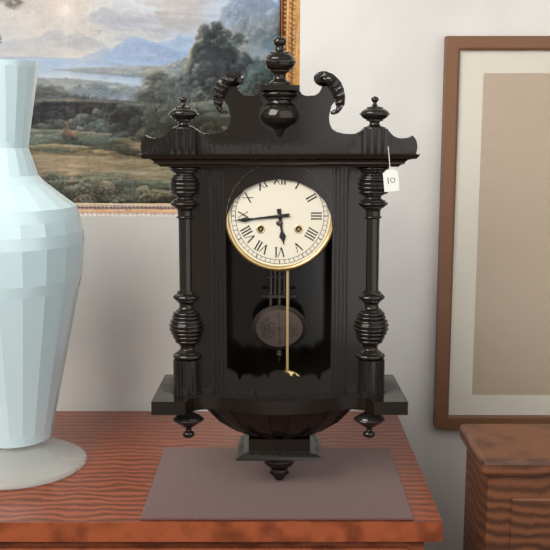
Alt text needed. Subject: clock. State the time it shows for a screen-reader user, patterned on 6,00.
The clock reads 5,44
